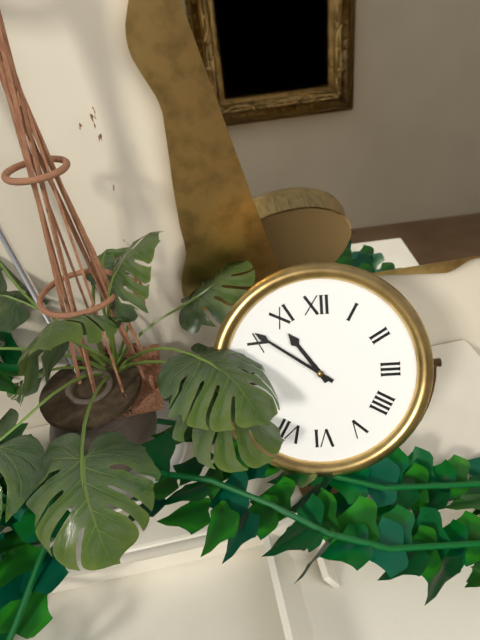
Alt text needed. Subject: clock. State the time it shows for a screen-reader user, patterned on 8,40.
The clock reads 10,51
